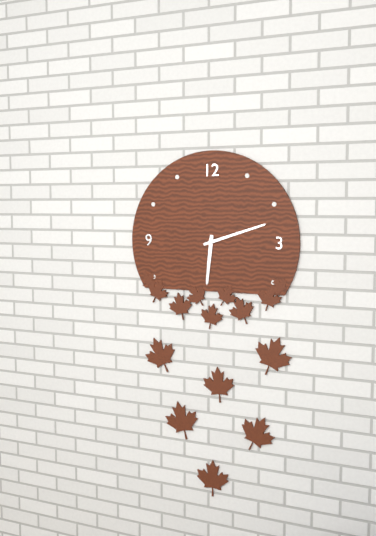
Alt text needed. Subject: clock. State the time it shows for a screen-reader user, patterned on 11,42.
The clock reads 6,12
